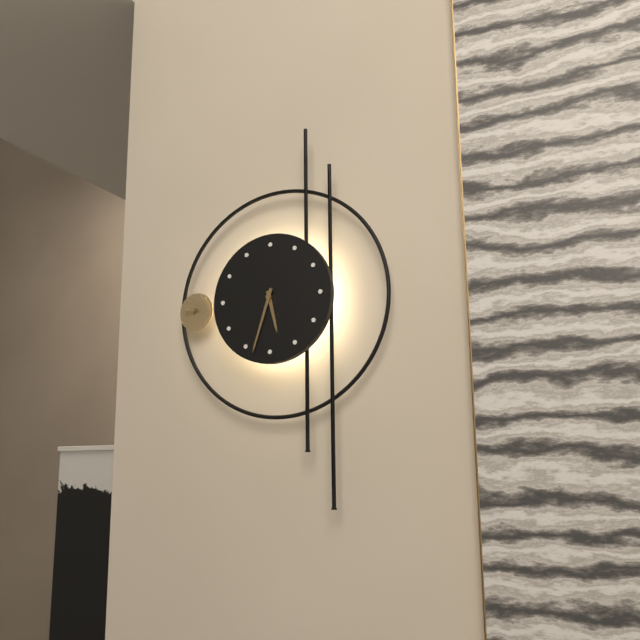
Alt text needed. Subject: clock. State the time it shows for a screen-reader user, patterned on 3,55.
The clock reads 5,33
